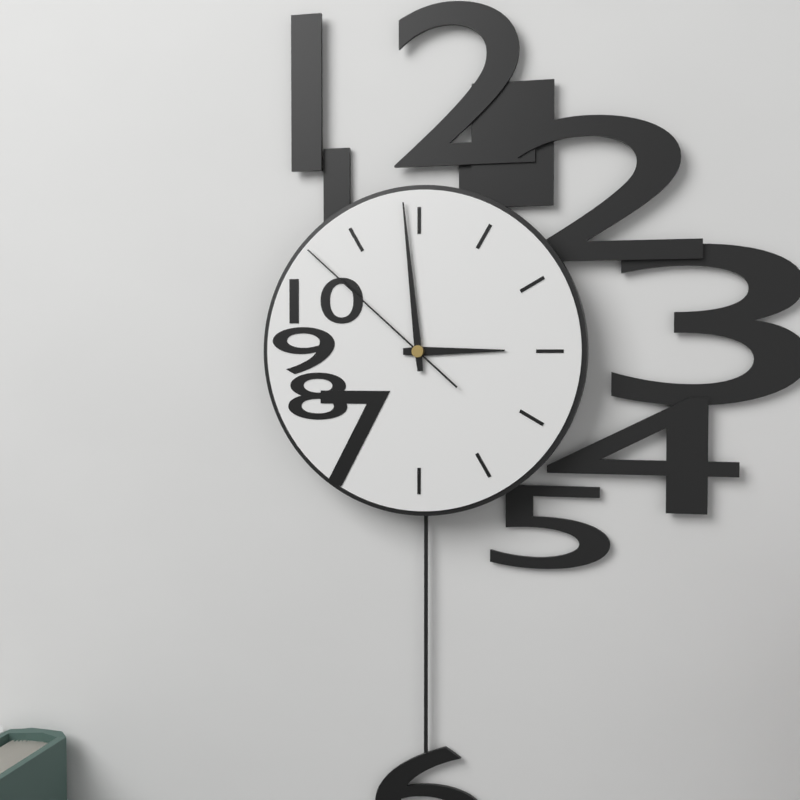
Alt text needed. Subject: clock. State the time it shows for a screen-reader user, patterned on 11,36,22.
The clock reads 2,59,52
